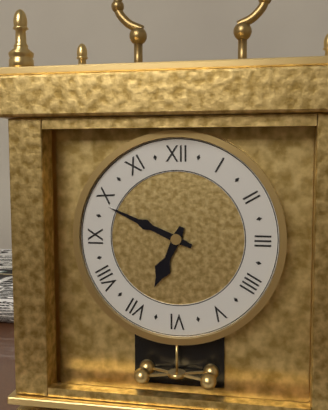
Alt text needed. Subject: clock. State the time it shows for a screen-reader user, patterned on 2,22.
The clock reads 6,49
